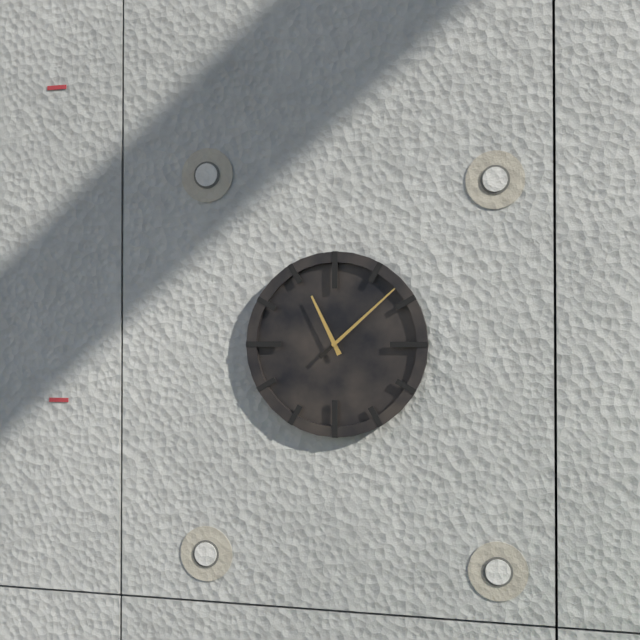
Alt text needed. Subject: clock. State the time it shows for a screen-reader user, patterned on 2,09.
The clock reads 11,08
